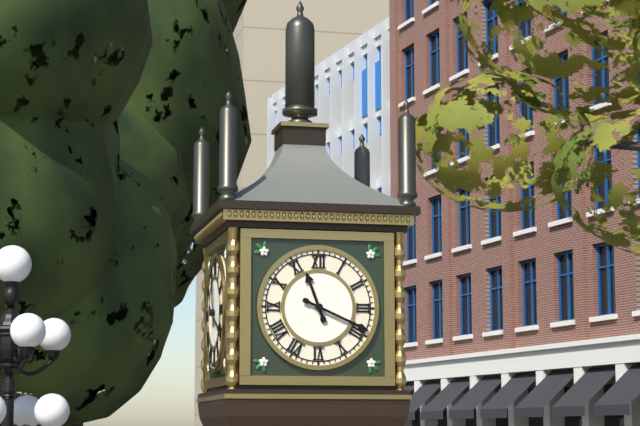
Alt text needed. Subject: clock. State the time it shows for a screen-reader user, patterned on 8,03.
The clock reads 11,19
